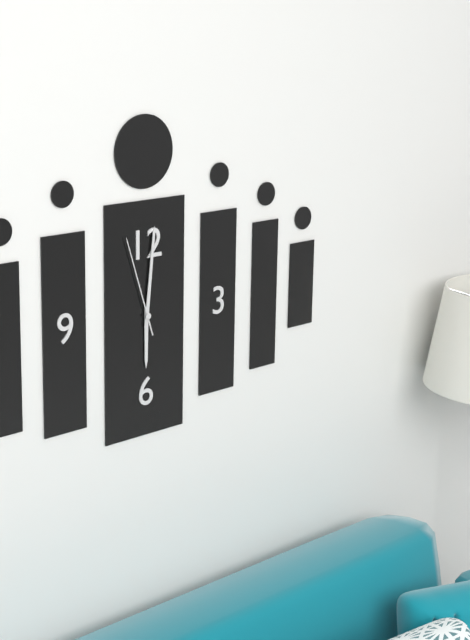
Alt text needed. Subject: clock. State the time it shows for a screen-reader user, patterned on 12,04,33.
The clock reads 6,01,57
